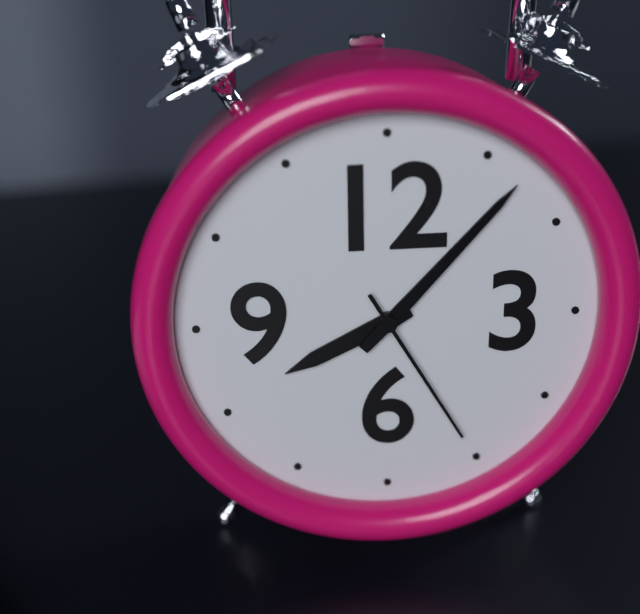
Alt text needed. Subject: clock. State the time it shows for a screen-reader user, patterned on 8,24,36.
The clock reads 8,07,25
